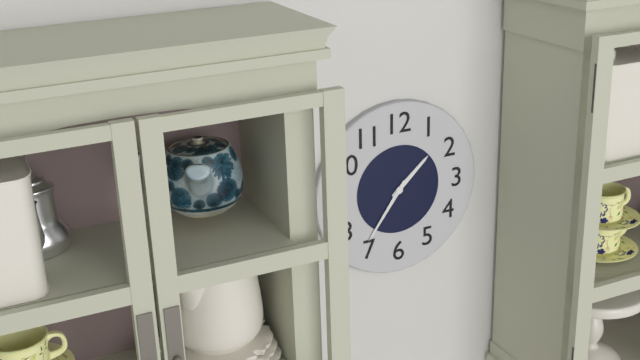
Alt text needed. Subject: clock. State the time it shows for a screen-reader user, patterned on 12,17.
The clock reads 1,36
